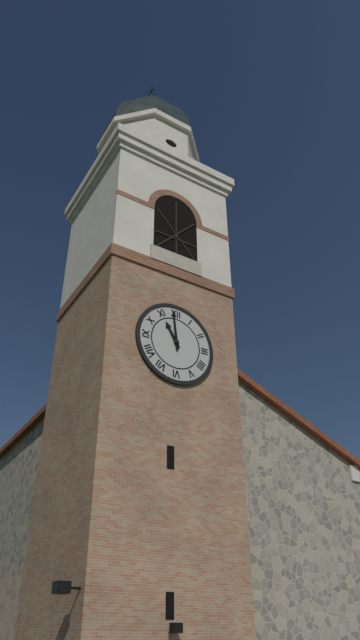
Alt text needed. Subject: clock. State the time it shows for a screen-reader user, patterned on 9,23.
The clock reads 10,59
